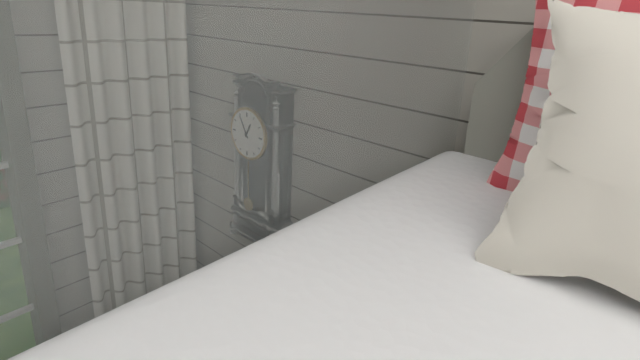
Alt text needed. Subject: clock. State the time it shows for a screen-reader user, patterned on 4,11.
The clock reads 12,55
